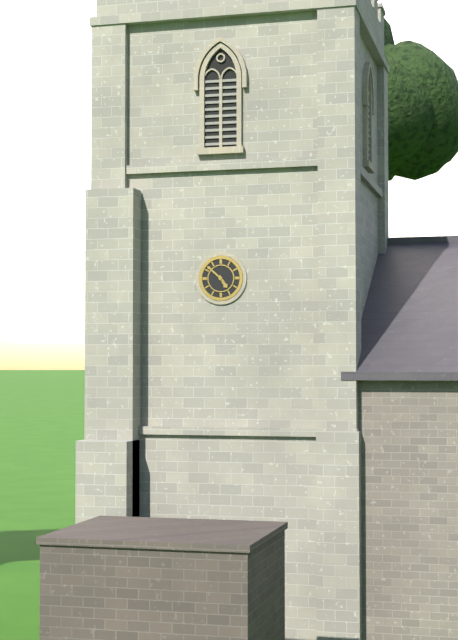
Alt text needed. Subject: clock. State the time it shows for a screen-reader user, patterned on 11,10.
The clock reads 4,52
